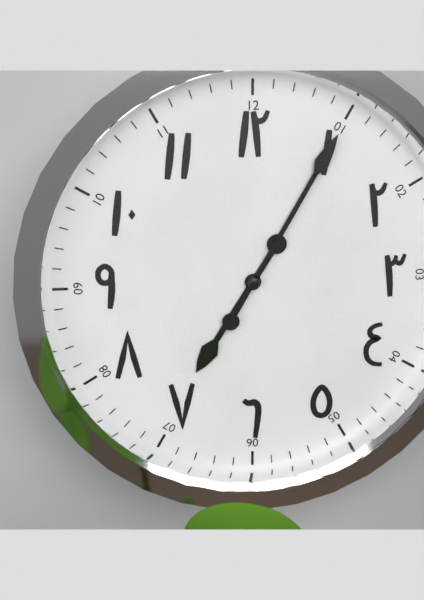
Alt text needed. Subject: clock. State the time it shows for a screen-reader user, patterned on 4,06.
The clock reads 7,05
